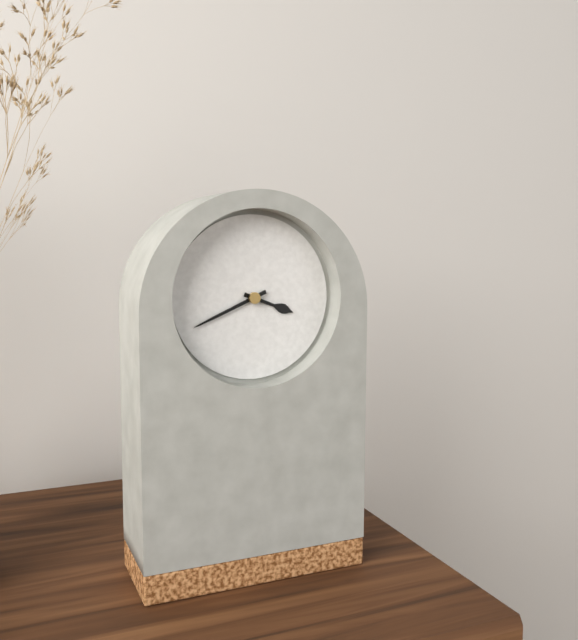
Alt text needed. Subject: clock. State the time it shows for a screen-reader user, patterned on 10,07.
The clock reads 3,41
